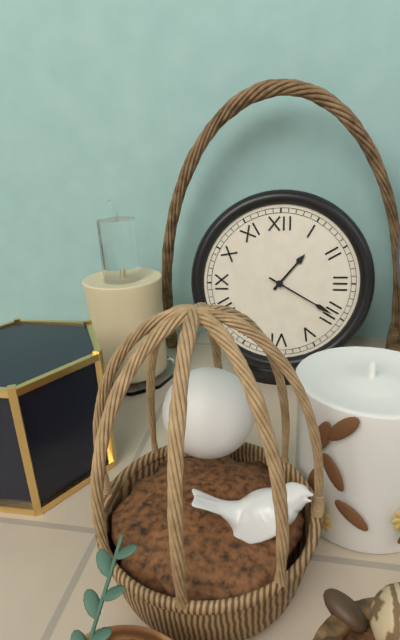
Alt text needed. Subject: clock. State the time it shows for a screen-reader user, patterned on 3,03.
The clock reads 1,20
